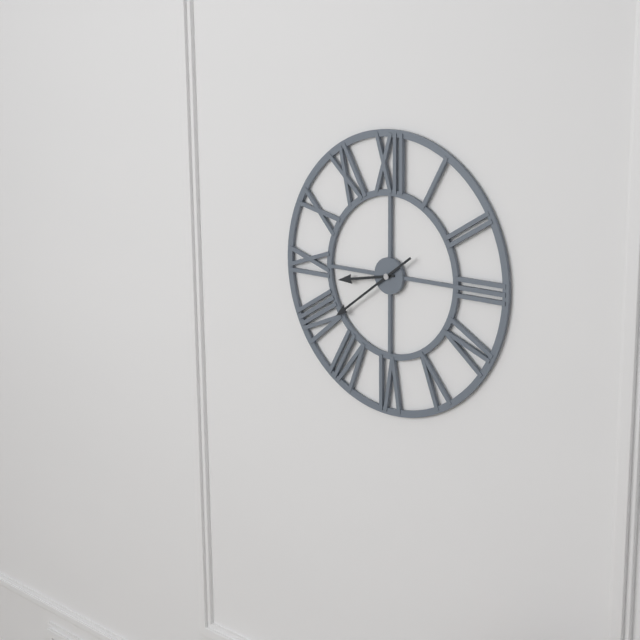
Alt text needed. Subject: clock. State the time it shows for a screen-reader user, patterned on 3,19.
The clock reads 8,39
